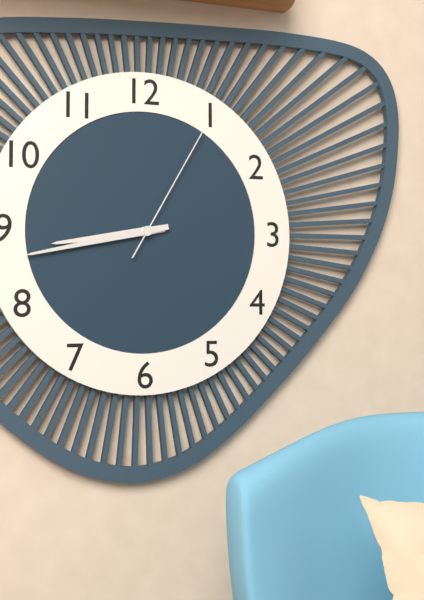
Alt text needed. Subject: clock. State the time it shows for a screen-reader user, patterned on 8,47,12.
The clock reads 8,43,05
